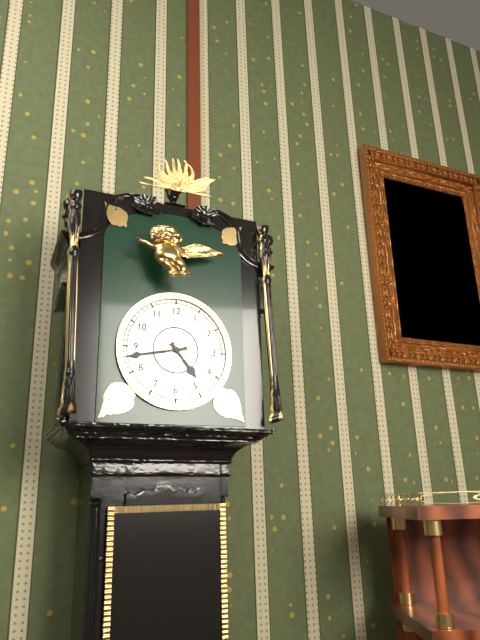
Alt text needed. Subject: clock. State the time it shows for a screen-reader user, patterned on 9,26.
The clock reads 4,43
